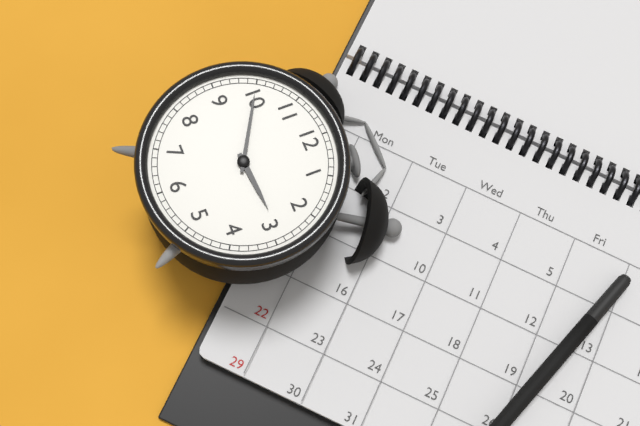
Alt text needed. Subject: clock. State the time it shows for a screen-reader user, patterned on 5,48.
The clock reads 2,50
